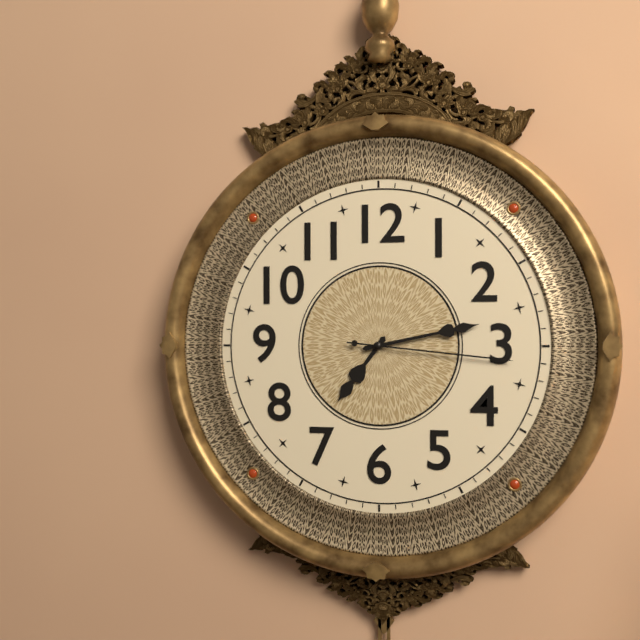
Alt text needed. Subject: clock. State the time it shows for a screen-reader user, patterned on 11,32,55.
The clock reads 7,13,16
